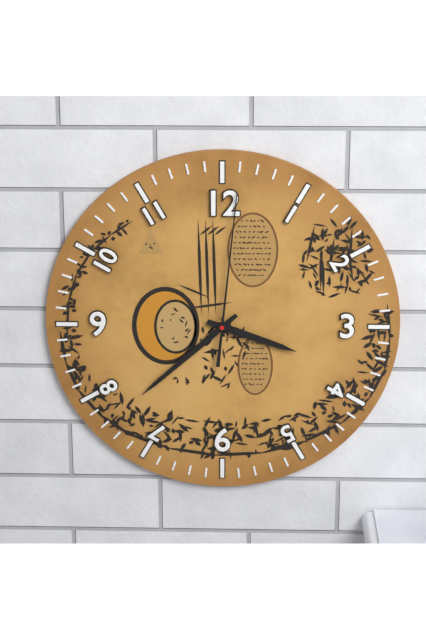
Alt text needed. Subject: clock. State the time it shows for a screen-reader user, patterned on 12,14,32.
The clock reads 3,38,01
